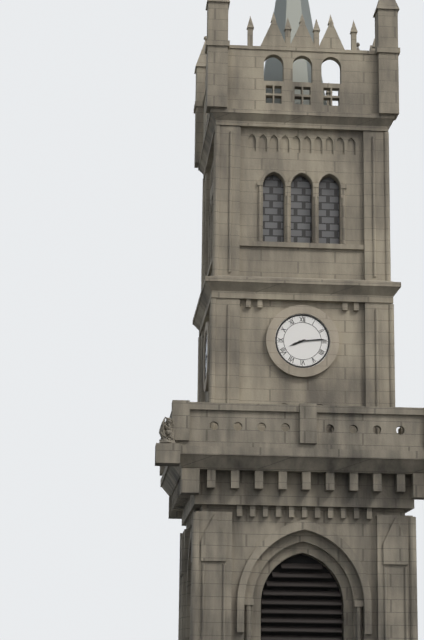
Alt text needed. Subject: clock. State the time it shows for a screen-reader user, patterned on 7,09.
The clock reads 8,14
